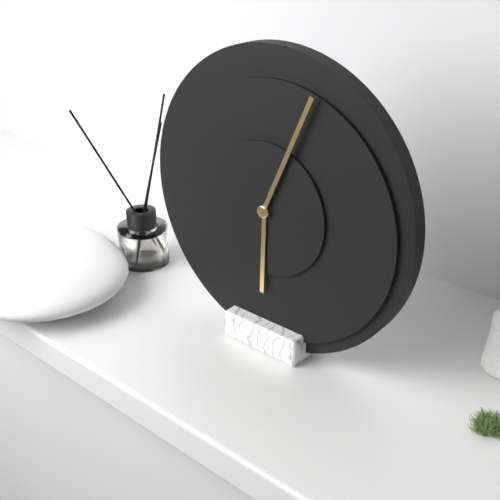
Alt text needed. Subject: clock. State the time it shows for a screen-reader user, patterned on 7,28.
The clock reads 6,04
